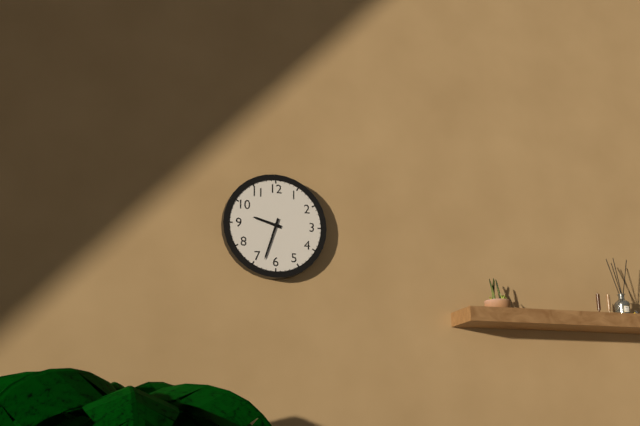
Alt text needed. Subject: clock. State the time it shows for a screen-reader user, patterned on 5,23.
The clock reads 9,33
